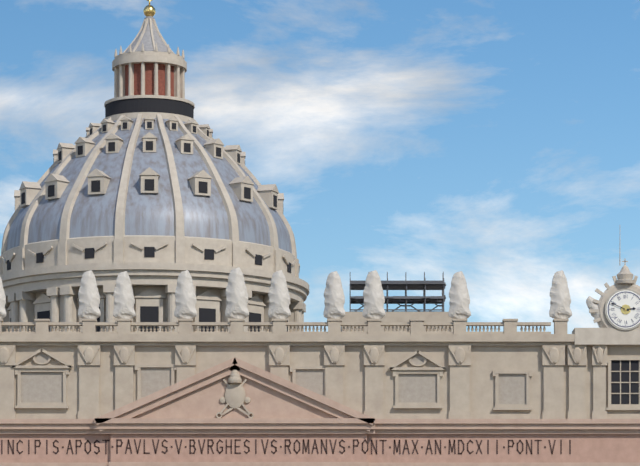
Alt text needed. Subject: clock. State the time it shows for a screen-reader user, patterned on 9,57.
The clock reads 2,49
